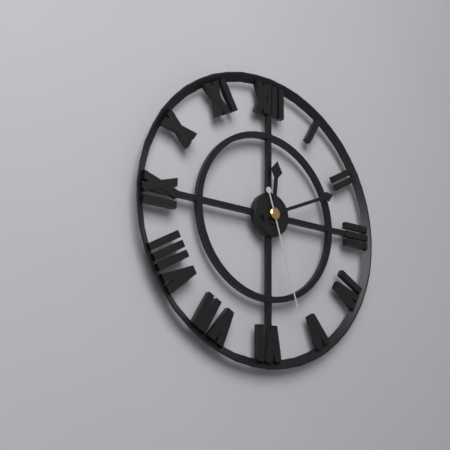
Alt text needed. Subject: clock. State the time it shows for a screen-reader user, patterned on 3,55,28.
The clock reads 12,11,27
